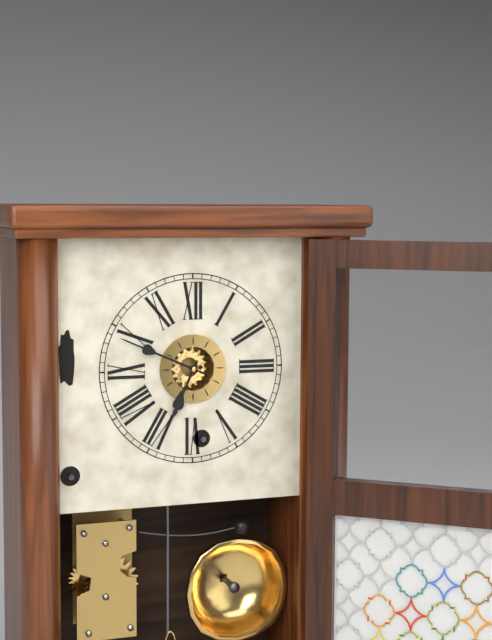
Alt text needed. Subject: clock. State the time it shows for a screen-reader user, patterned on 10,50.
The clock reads 6,49
